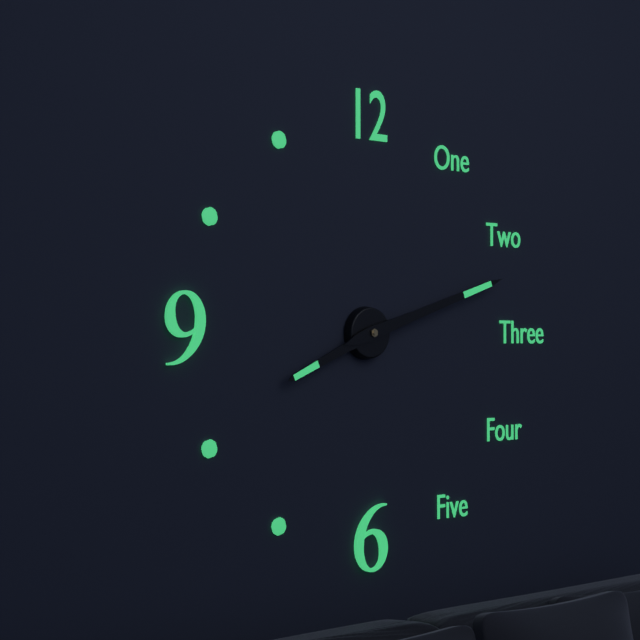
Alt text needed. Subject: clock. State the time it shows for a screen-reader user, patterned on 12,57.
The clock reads 8,12
